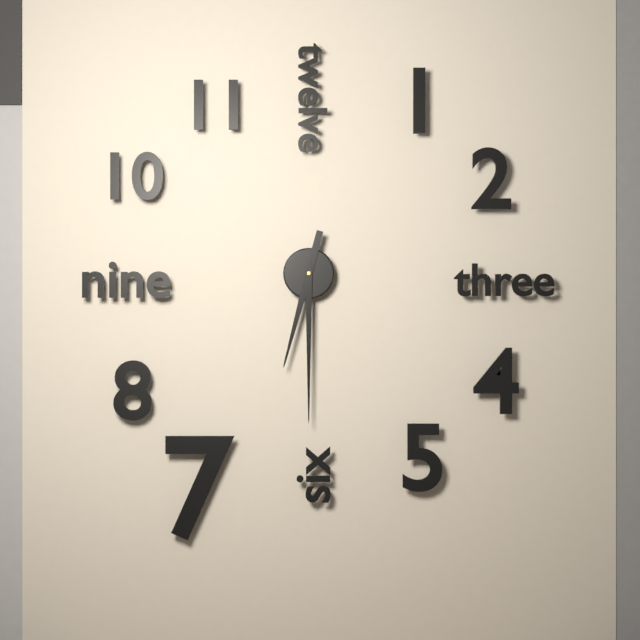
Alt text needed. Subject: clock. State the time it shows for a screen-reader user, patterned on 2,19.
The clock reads 6,30
